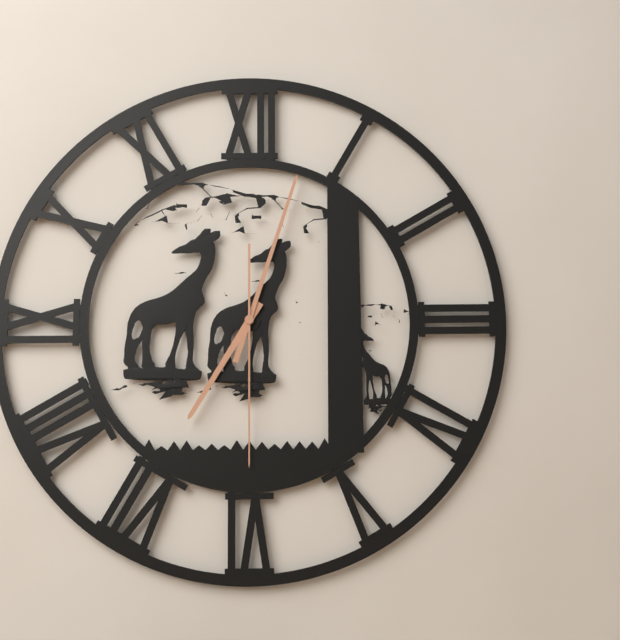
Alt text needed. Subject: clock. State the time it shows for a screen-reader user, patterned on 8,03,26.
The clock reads 7,03,30
